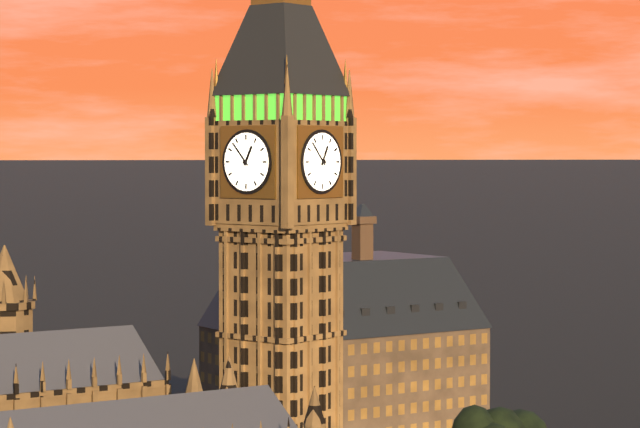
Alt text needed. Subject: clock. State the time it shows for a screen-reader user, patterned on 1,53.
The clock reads 12,53
